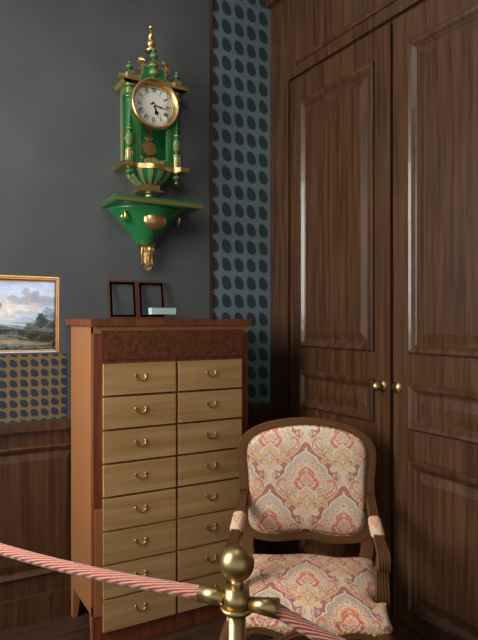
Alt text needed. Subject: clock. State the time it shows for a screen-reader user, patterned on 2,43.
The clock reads 5,17
